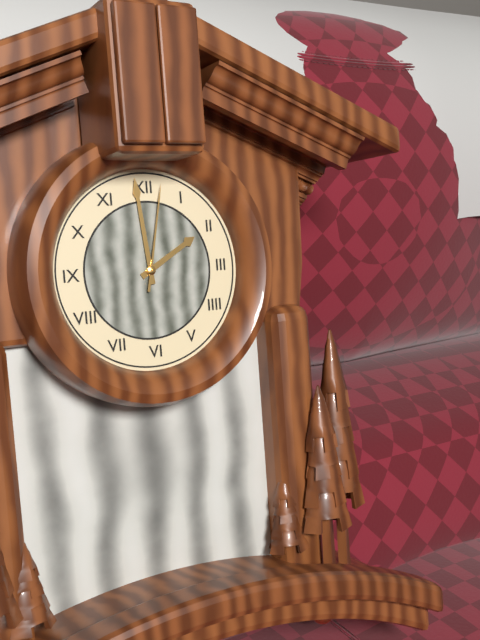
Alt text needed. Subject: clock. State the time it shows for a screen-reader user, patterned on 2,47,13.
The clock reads 1,59,02
